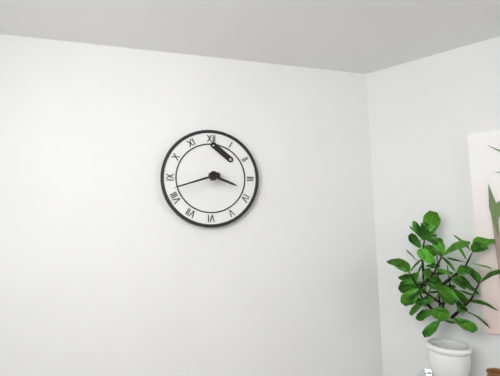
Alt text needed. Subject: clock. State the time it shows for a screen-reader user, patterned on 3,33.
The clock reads 3,42
